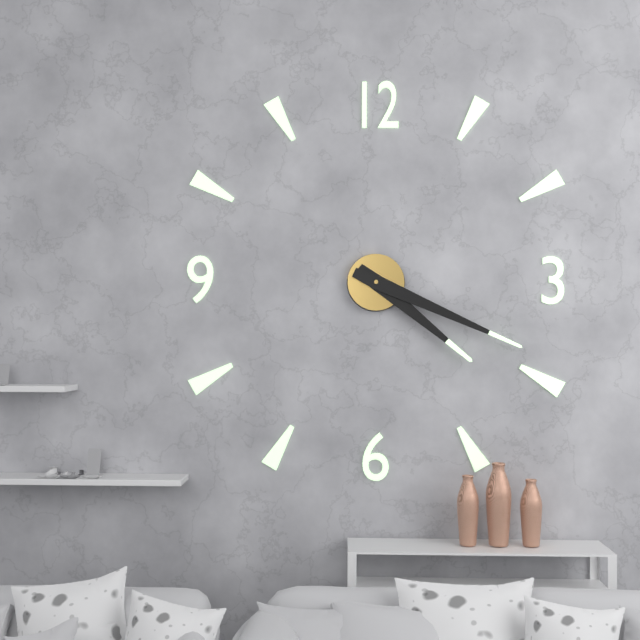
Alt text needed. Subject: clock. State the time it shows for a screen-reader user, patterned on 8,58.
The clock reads 4,19
